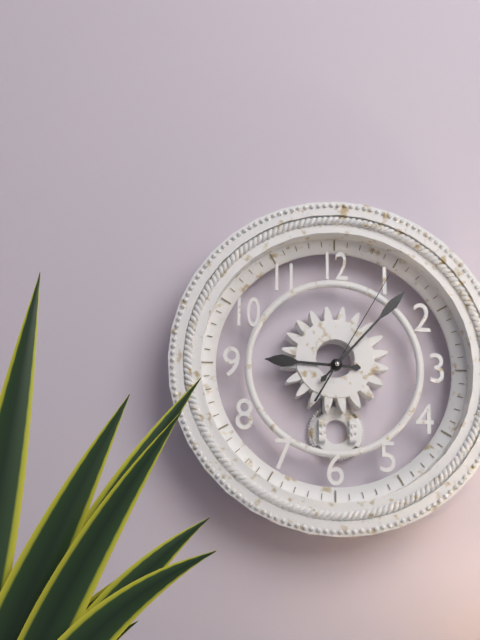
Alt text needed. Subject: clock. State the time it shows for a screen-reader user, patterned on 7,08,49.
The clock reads 9,07,05
